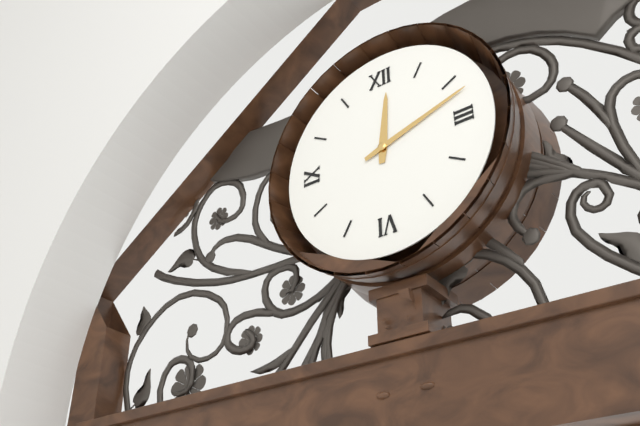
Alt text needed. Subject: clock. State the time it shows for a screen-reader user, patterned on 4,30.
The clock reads 12,12
